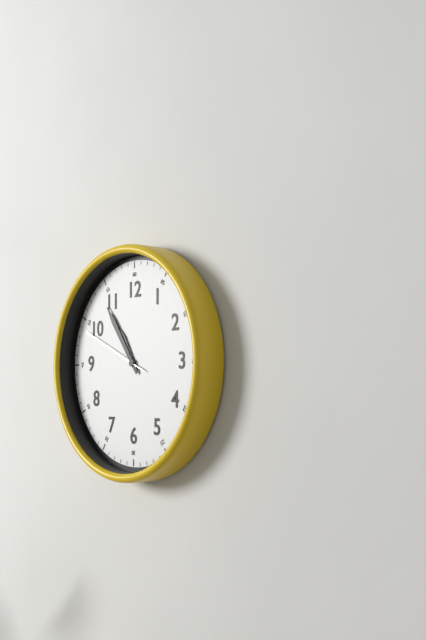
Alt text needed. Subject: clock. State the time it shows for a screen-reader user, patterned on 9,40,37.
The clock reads 10,54,49
